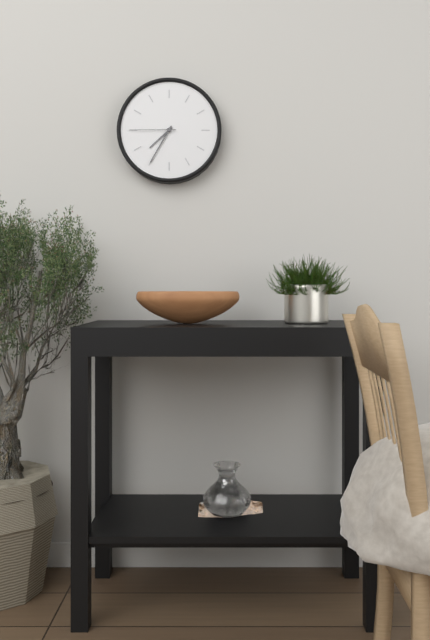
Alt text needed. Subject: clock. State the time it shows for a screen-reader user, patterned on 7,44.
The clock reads 7,35
